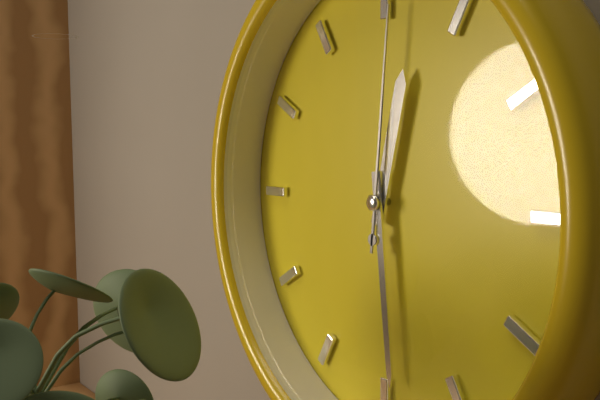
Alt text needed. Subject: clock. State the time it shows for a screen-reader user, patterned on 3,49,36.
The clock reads 12,29,01
